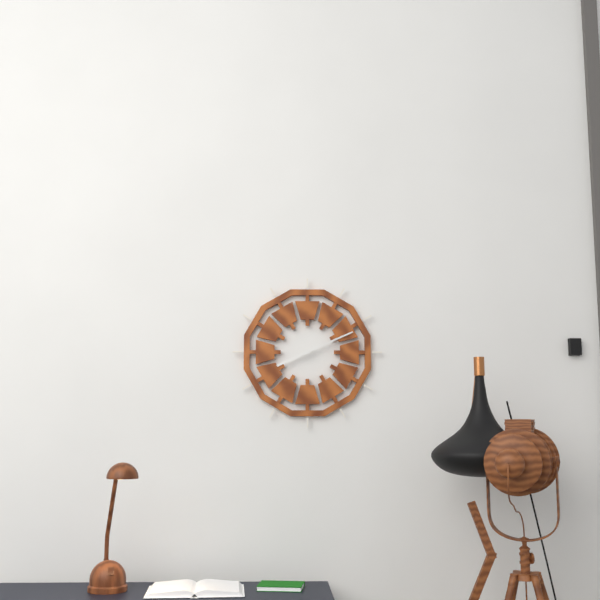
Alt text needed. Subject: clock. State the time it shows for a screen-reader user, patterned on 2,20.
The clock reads 8,11
